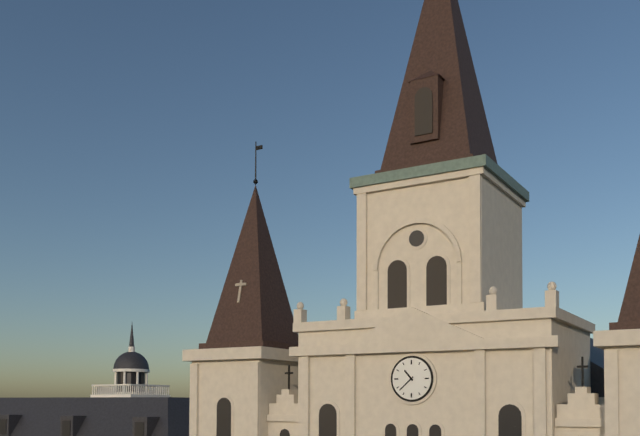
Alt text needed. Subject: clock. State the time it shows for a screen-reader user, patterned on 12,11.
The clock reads 10,38
